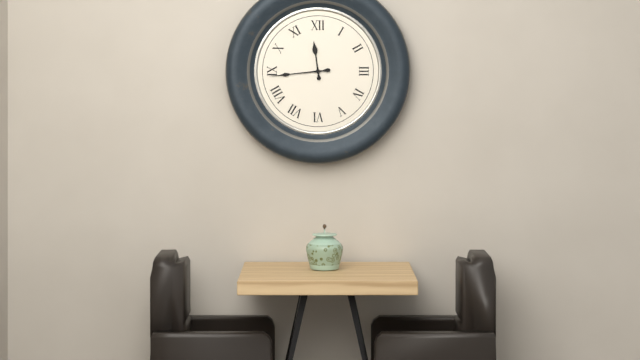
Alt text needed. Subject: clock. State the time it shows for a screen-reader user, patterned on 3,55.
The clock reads 11,44
